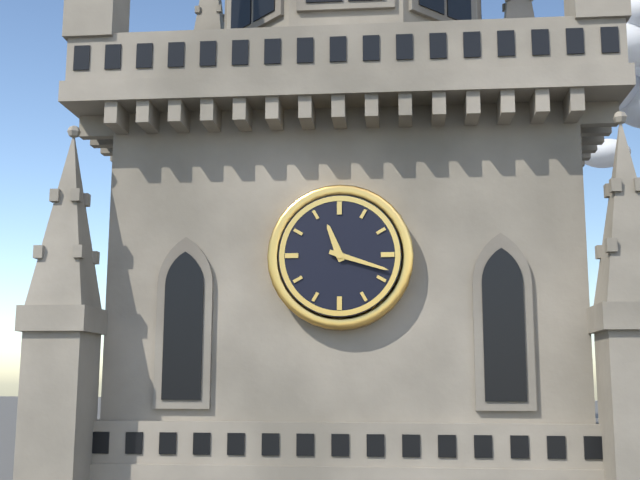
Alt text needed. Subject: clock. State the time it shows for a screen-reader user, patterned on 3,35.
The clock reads 11,18
